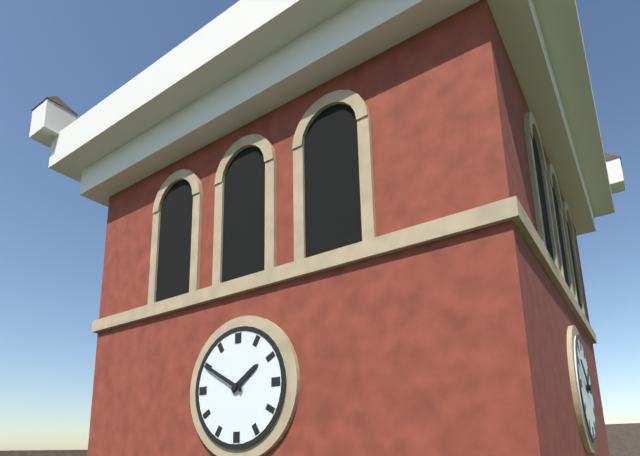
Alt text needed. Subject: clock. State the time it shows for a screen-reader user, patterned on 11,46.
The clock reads 1,50
